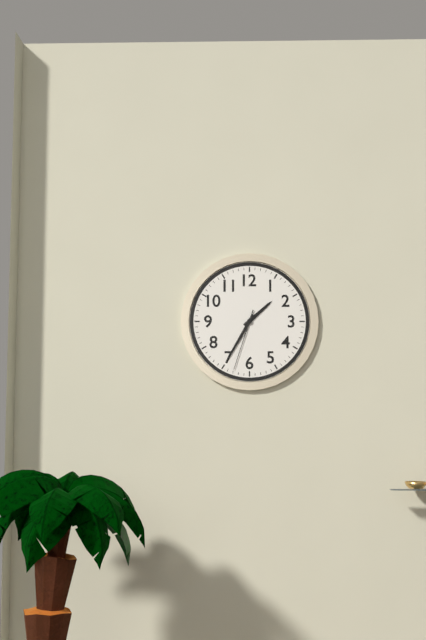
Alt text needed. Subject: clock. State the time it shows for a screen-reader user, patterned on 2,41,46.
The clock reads 1,35,33
